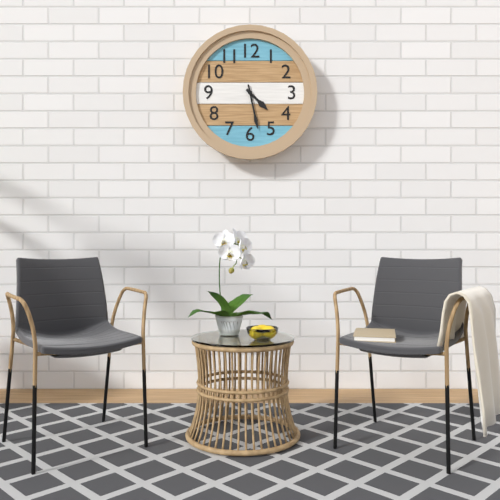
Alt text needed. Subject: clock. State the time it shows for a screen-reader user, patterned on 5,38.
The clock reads 4,28
